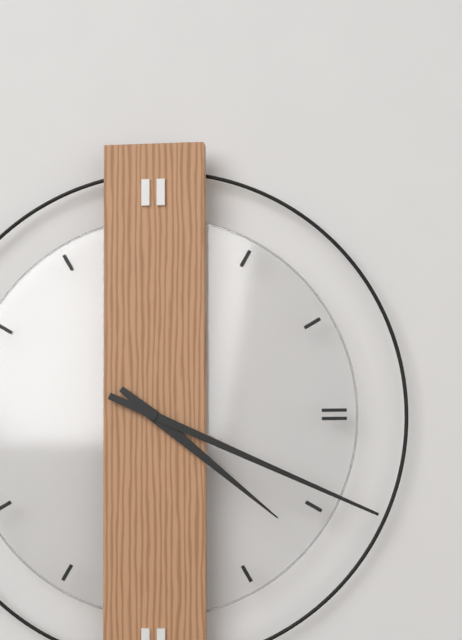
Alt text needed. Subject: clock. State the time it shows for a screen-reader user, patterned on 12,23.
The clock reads 4,19
